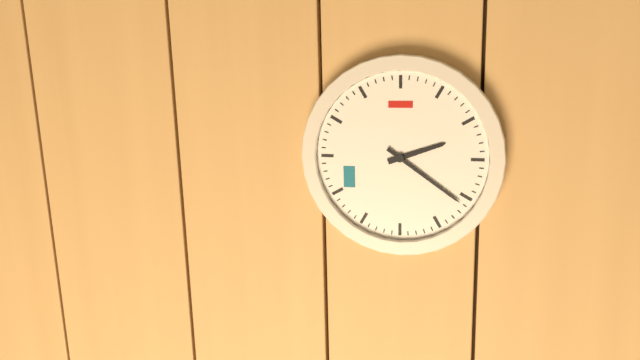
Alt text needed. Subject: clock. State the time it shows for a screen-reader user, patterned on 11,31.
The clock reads 2,21
